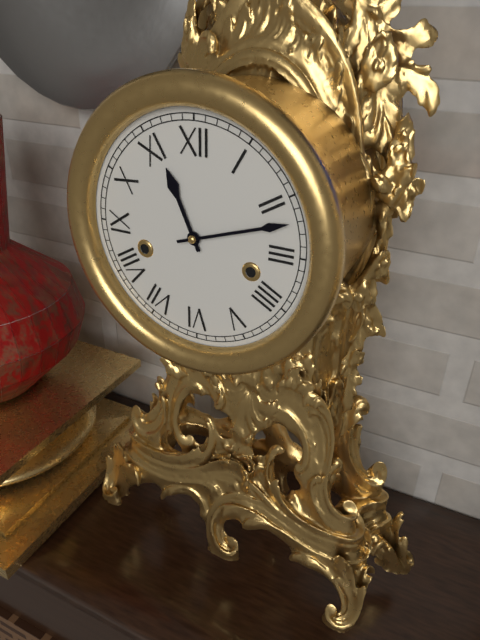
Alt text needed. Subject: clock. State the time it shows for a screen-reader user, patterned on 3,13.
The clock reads 11,12
